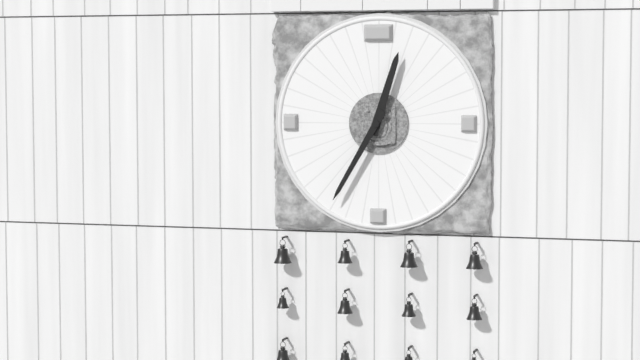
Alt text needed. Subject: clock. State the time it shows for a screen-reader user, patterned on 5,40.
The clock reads 12,35
